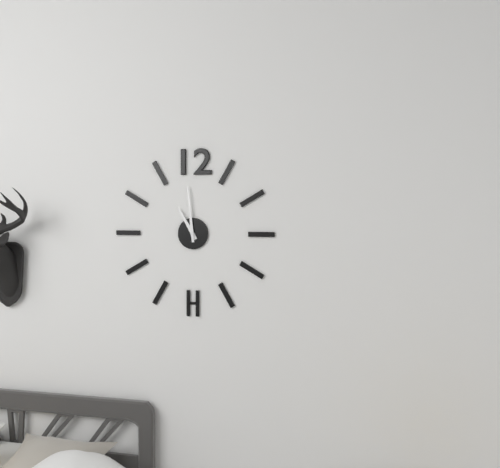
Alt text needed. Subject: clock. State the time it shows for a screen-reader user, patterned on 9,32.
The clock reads 10,59
